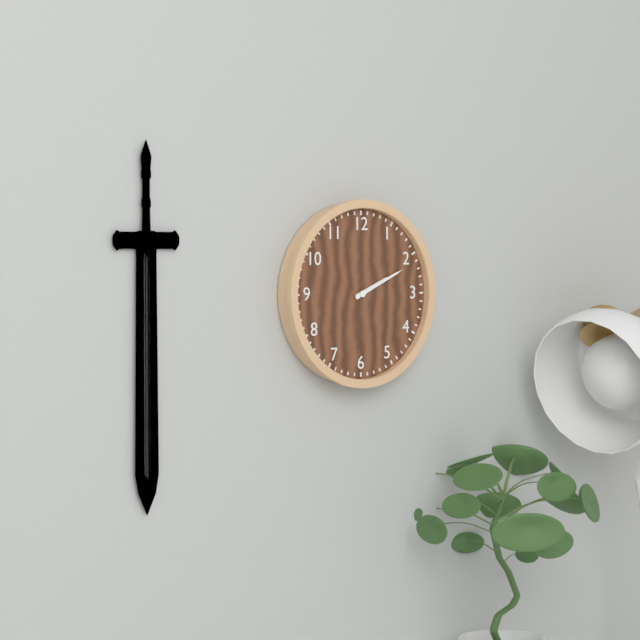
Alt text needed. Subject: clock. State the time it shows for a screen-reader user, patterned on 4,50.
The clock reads 2,11
